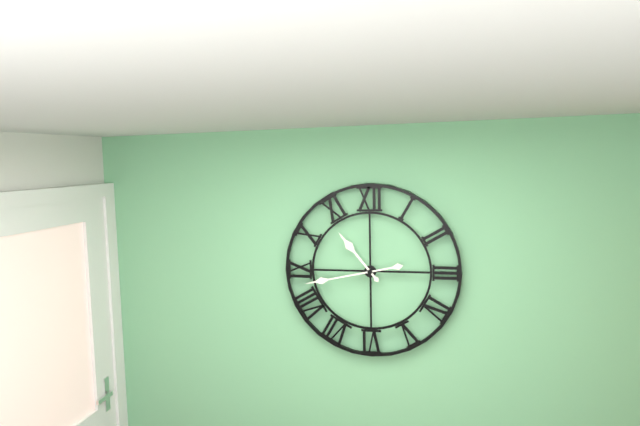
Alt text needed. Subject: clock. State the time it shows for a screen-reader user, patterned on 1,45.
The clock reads 10,43
